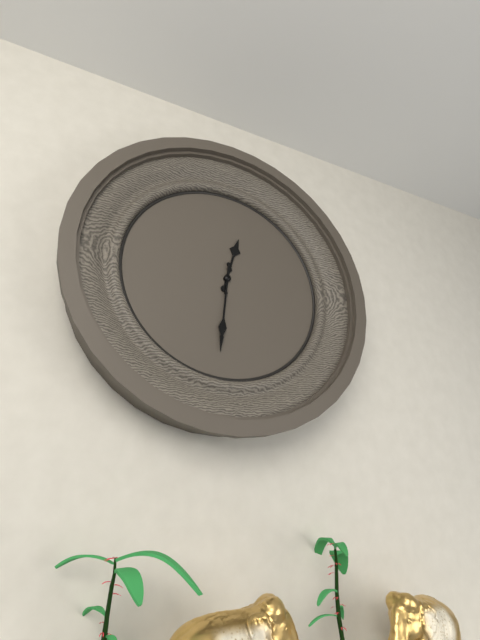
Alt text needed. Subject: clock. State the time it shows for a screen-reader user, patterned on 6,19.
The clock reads 12,31
